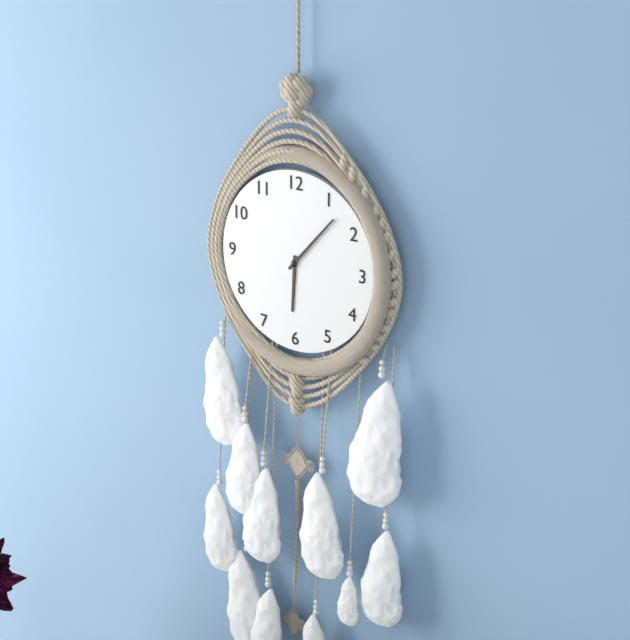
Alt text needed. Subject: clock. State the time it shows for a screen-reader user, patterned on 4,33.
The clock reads 6,07
